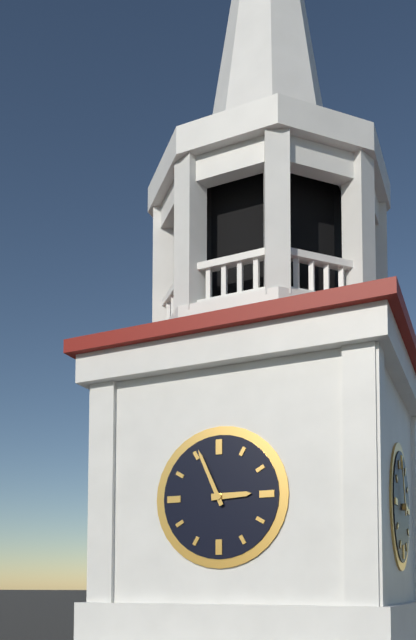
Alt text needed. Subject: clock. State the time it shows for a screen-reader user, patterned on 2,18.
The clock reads 2,56
